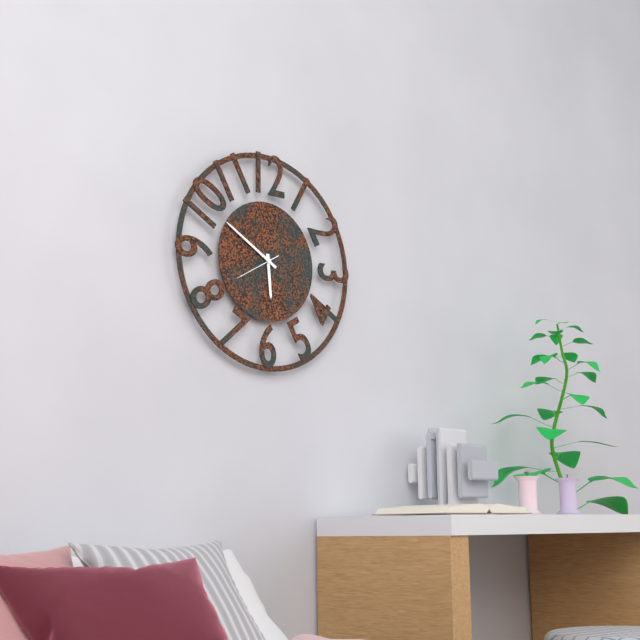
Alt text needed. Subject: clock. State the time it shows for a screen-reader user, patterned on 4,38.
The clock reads 5,50
